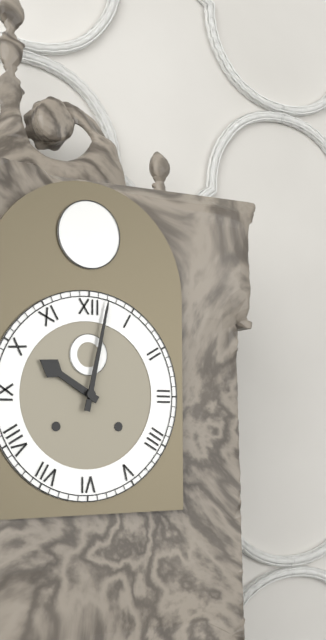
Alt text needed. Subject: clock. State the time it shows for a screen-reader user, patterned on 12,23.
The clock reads 10,02
